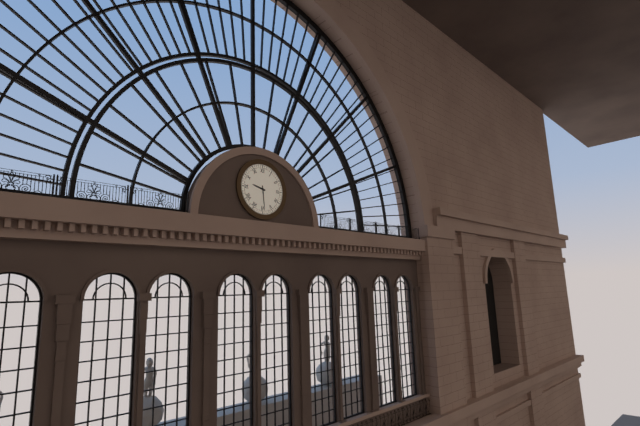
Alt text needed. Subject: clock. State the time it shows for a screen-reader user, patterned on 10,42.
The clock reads 9,29
